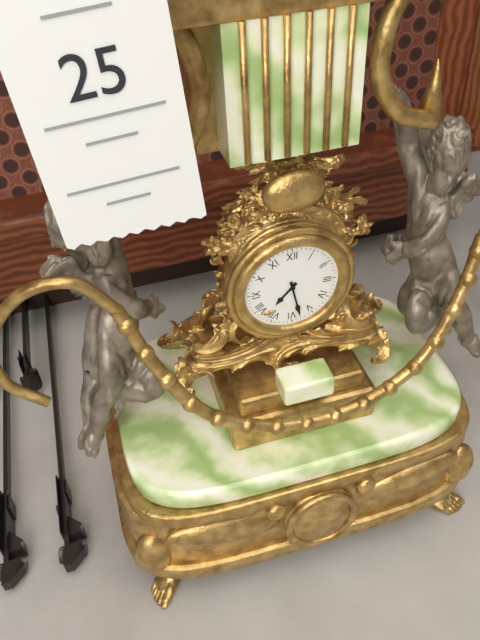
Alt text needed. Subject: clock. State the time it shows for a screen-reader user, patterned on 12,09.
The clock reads 7,28
